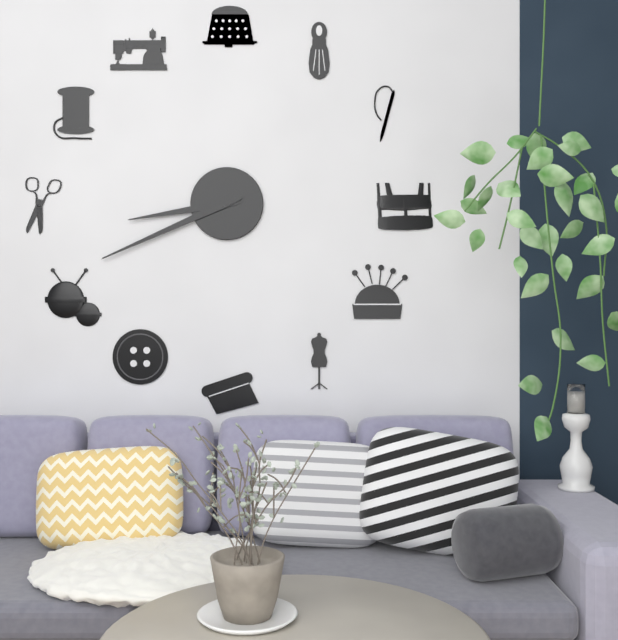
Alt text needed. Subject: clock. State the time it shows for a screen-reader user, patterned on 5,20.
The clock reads 8,41
